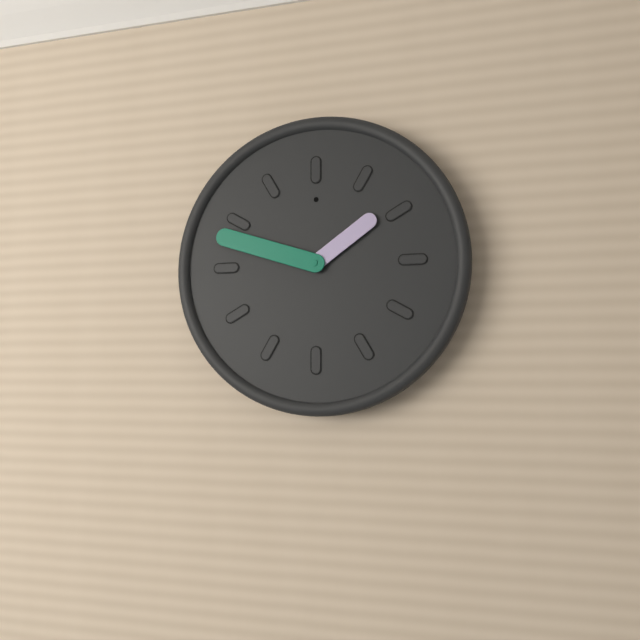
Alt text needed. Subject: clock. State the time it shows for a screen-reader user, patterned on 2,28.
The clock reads 1,48
